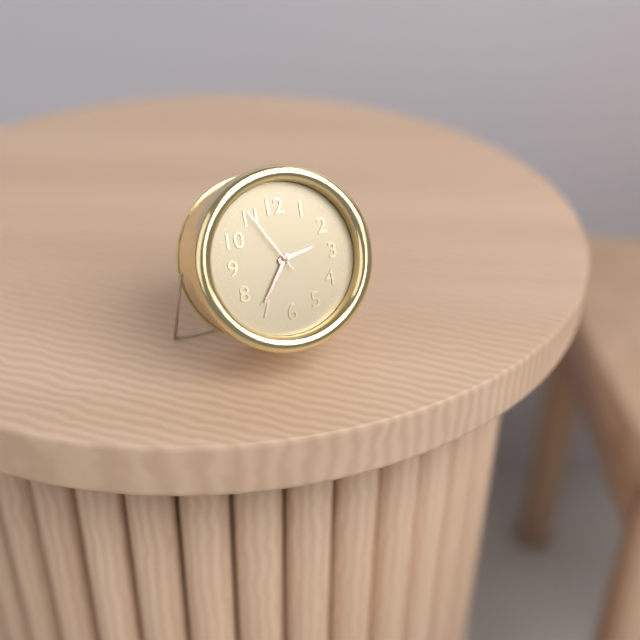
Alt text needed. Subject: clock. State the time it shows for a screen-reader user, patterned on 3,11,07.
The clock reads 2,36,55
